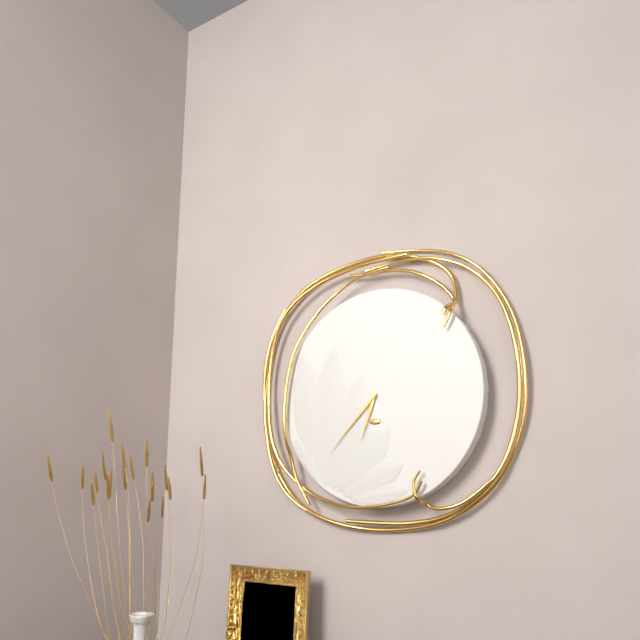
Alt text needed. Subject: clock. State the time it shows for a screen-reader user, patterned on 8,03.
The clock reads 6,37
